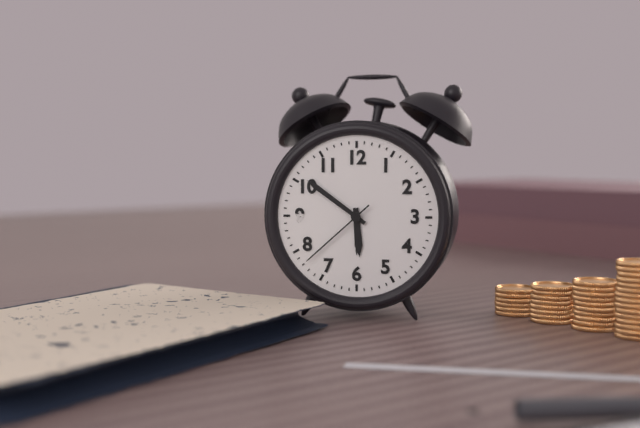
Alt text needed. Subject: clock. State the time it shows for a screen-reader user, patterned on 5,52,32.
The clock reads 5,51,38
